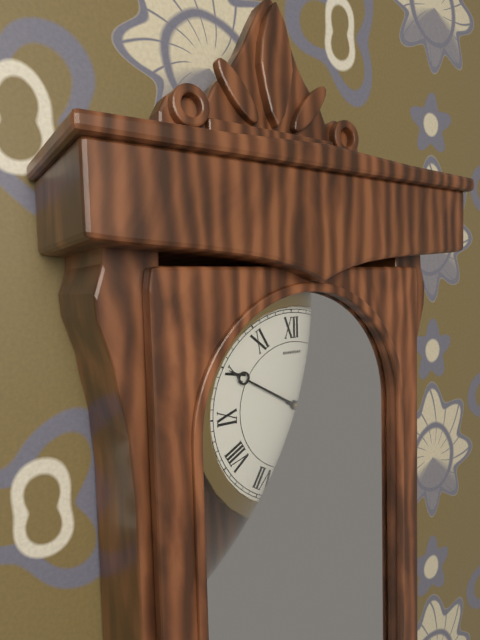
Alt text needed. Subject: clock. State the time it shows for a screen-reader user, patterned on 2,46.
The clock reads 3,50
